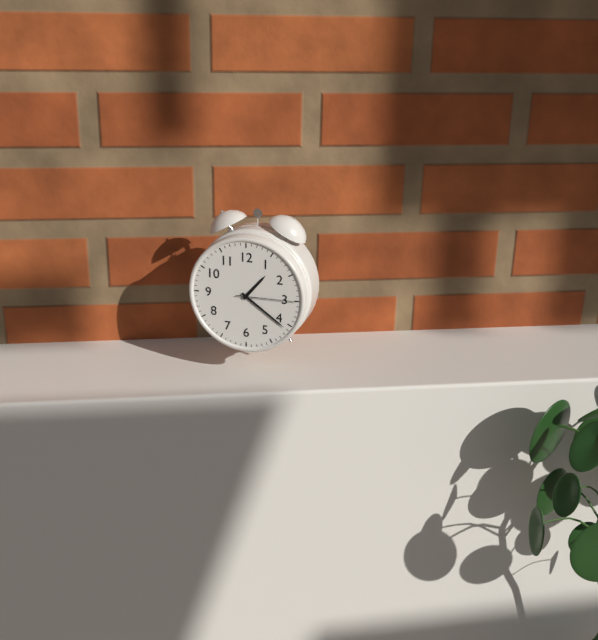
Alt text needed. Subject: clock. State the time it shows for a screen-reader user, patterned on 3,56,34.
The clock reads 1,21,15
